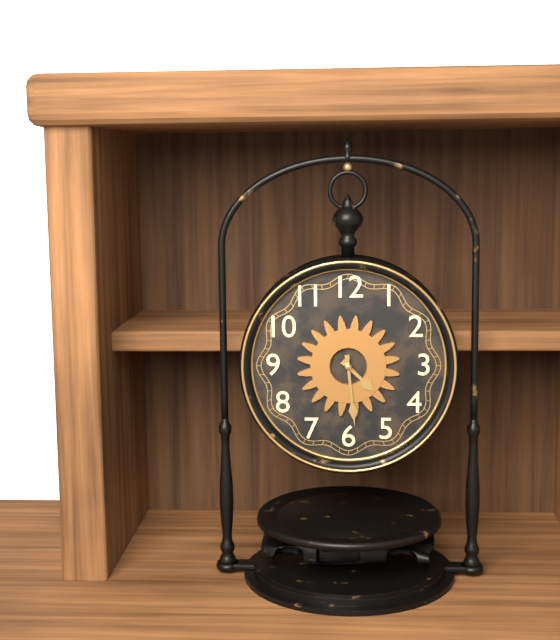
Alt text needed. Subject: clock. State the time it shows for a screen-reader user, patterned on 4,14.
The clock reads 4,29
